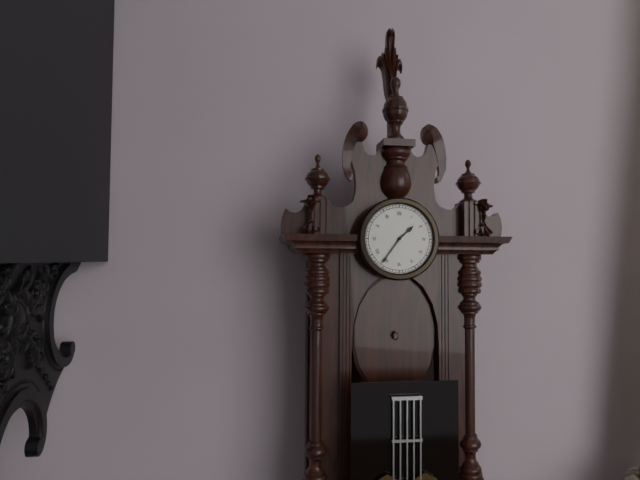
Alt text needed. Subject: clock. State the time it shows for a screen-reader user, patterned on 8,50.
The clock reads 1,36
